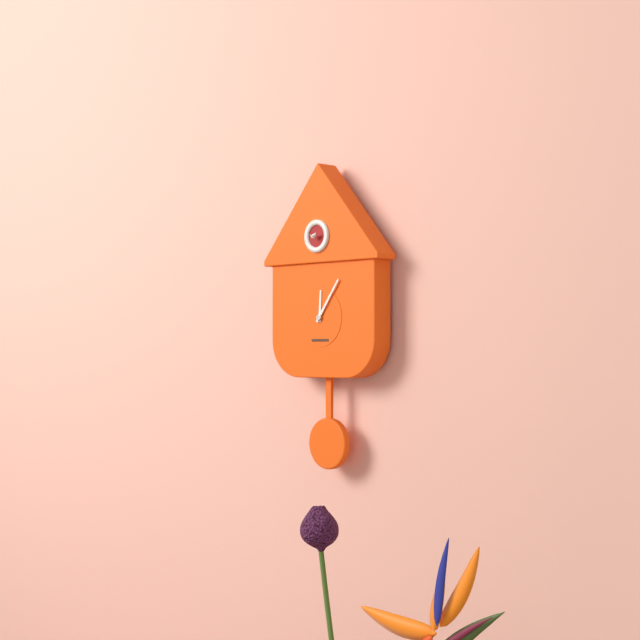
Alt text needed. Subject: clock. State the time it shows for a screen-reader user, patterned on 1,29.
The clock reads 12,06
